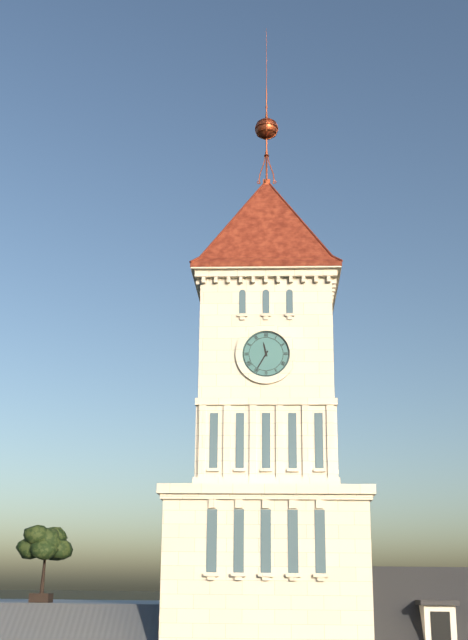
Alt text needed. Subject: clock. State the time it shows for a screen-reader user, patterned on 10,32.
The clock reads 11,35
